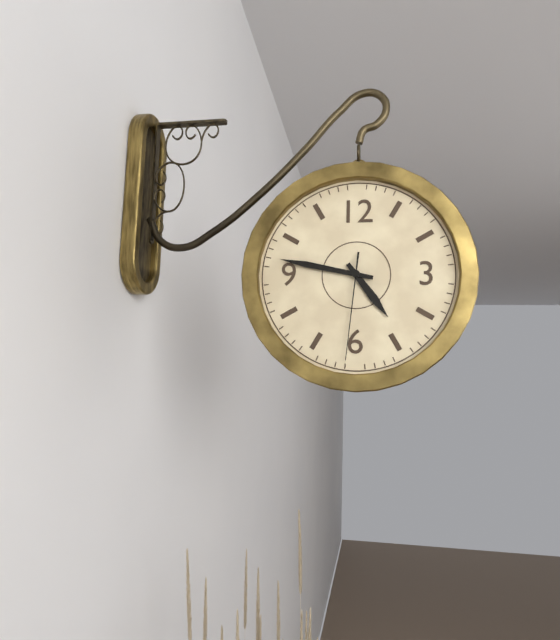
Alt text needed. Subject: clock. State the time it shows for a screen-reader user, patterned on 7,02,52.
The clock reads 4,47,31
